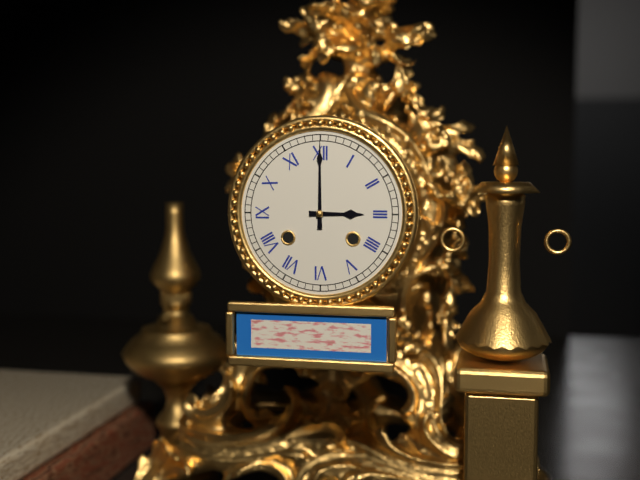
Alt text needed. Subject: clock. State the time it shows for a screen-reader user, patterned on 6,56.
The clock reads 3,00
